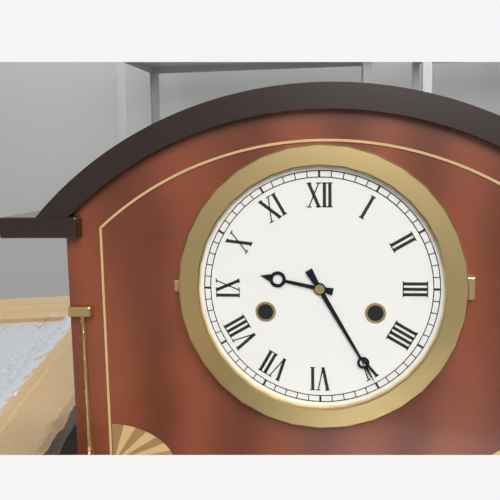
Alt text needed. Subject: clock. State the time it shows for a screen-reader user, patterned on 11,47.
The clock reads 9,25
